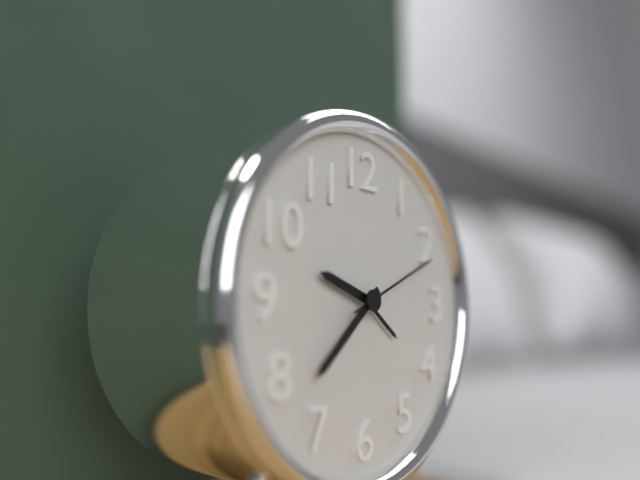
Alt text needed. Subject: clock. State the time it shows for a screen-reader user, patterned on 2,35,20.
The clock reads 9,38,11
